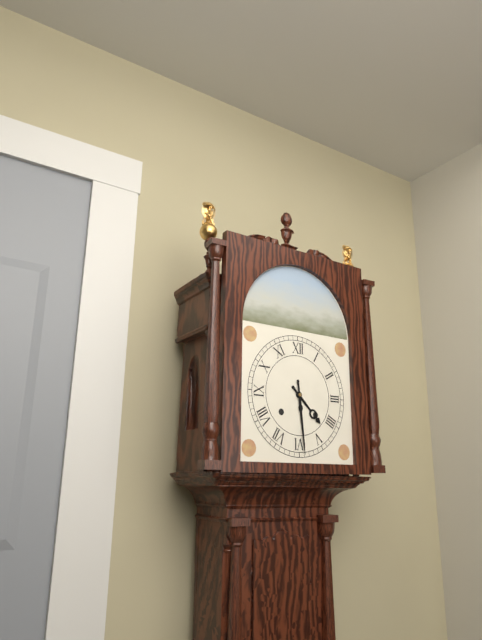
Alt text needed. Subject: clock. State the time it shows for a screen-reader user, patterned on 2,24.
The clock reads 4,29
